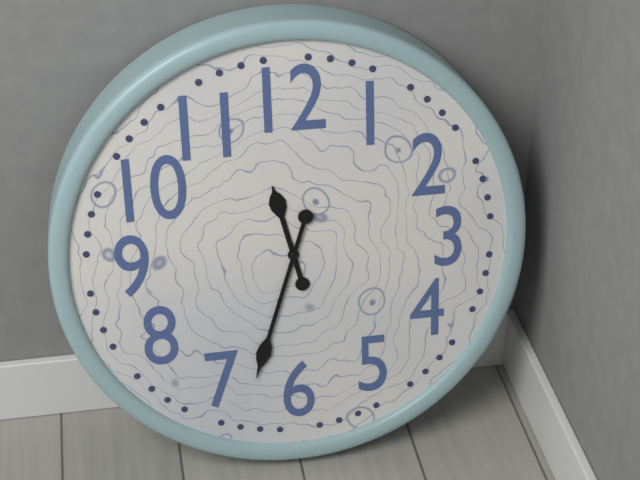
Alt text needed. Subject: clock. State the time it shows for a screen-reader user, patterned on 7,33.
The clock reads 11,33
